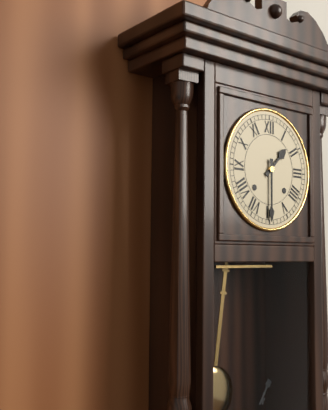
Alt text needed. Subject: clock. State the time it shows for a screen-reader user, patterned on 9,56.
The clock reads 1,30
